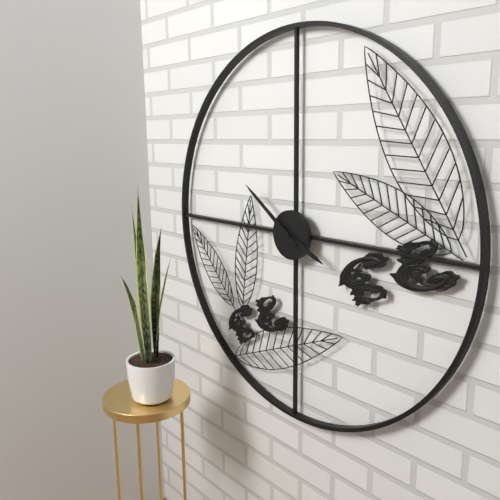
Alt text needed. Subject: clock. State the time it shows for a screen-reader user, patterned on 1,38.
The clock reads 3,51
